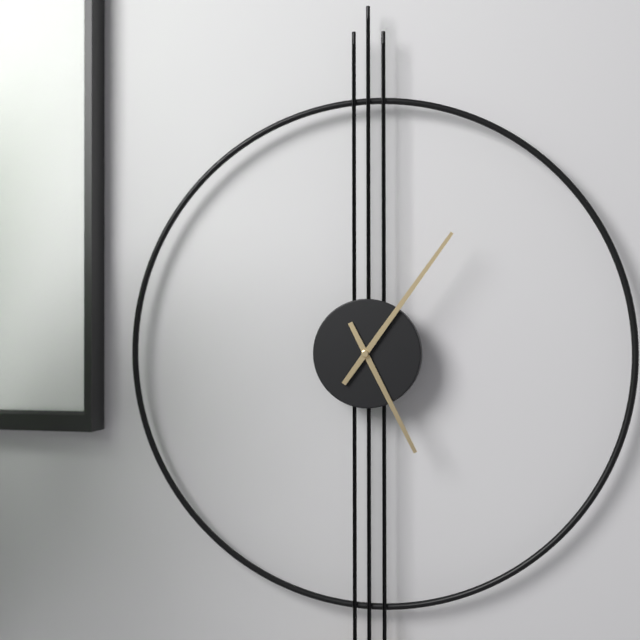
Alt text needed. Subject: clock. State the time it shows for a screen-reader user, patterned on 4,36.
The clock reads 5,06
